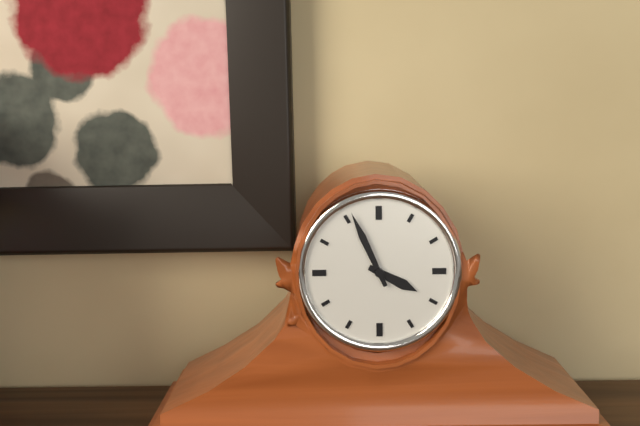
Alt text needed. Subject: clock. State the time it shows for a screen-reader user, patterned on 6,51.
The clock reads 3,56
